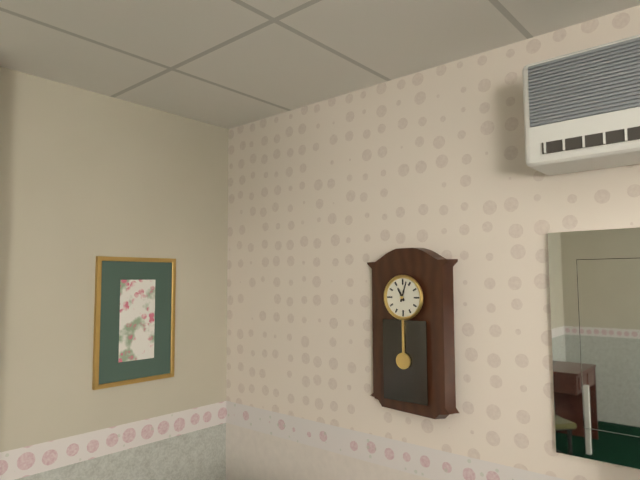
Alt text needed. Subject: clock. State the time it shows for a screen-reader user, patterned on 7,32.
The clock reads 11,03
